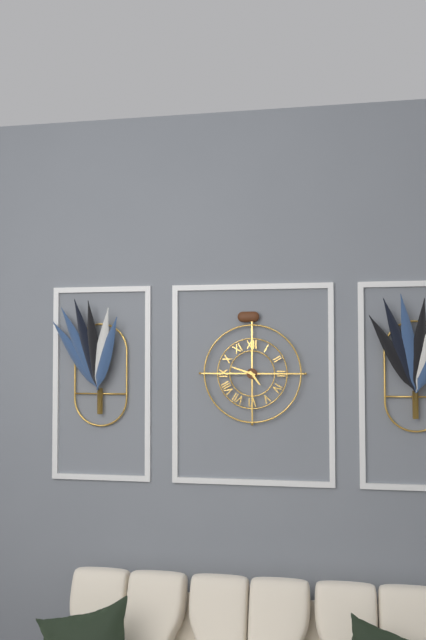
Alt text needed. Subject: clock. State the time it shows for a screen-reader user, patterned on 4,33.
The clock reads 4,48
